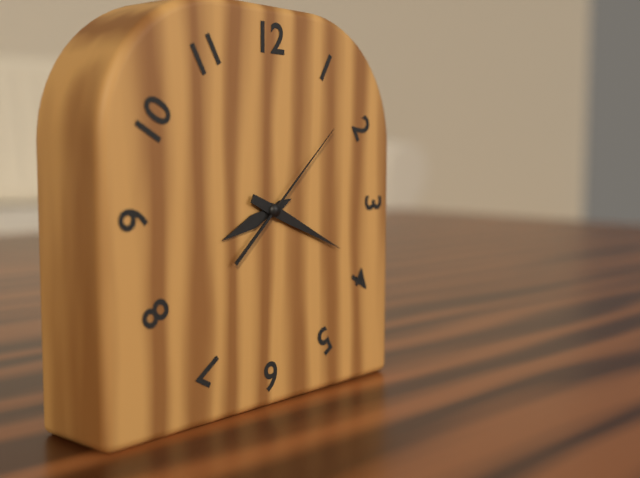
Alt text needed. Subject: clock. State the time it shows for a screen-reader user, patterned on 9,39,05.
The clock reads 8,19,08
